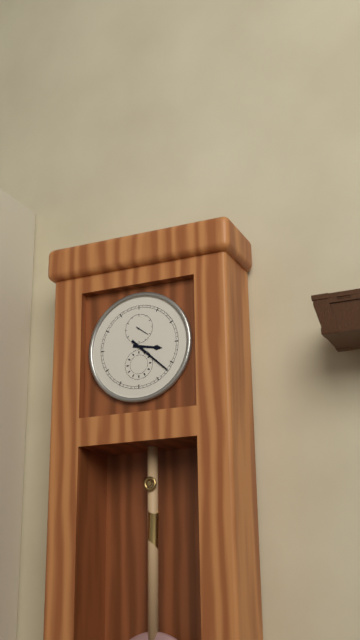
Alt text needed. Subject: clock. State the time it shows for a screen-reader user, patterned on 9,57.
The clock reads 3,22
